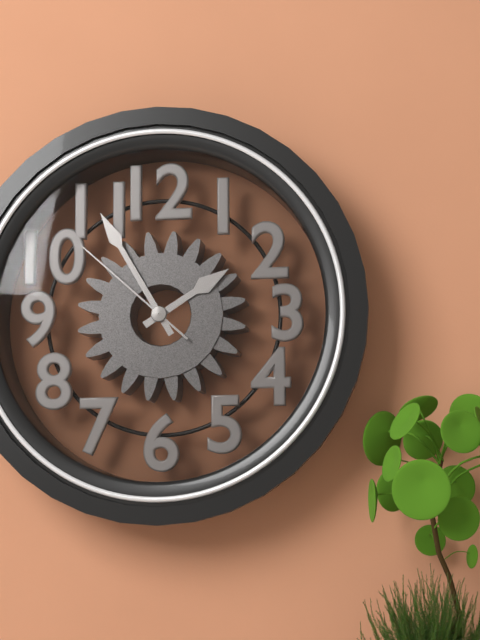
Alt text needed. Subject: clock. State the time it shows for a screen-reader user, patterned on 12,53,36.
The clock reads 1,55,52
